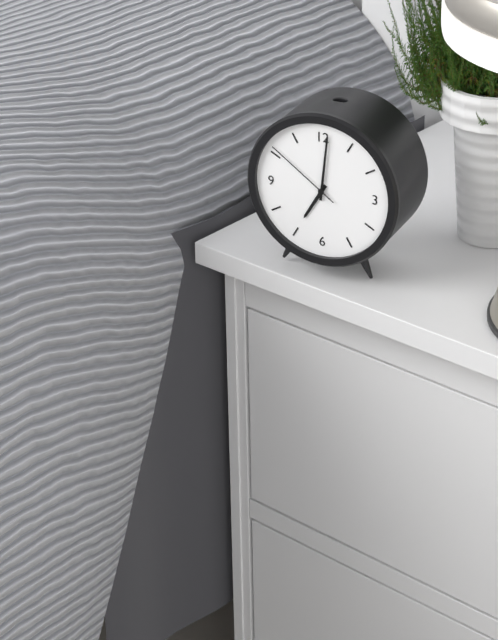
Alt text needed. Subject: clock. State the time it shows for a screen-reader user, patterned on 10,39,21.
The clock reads 7,01,51
